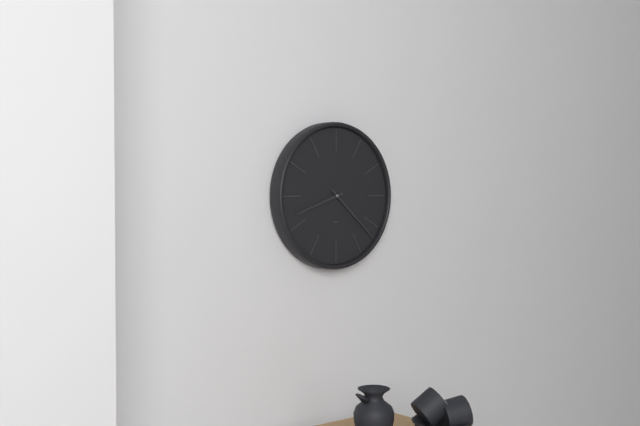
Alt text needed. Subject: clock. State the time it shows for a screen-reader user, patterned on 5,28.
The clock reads 8,22
